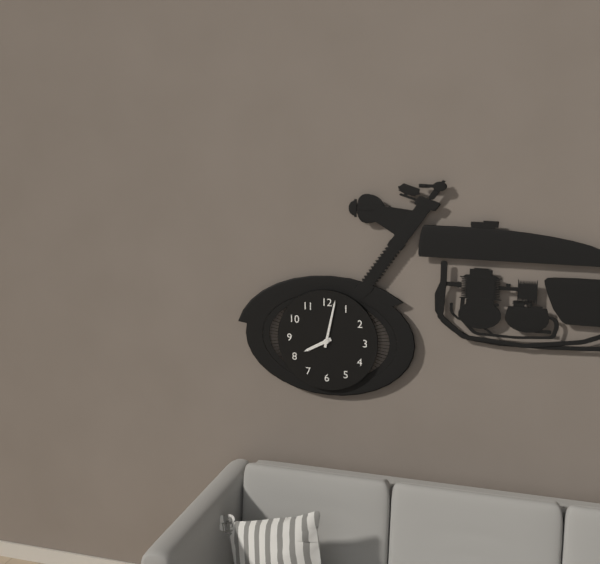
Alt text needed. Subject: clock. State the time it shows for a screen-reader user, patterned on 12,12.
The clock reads 8,02
